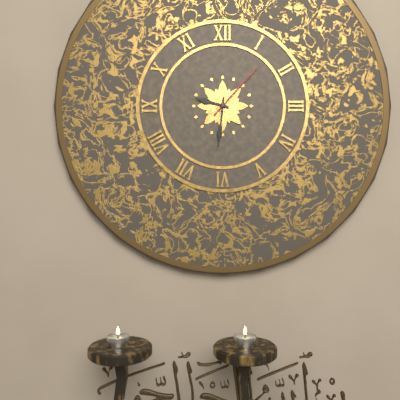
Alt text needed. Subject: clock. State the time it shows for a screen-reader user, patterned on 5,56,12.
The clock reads 9,31,07
